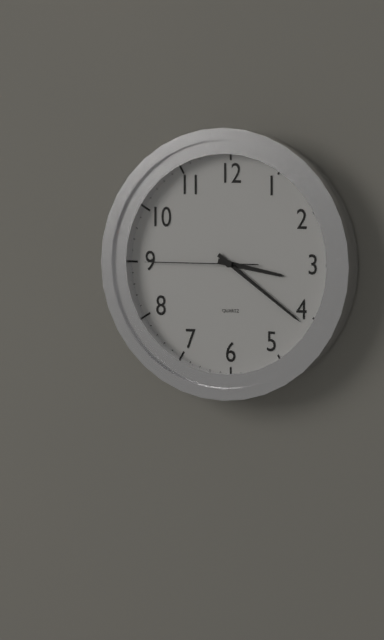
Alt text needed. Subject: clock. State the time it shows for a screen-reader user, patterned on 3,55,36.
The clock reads 3,21,45
